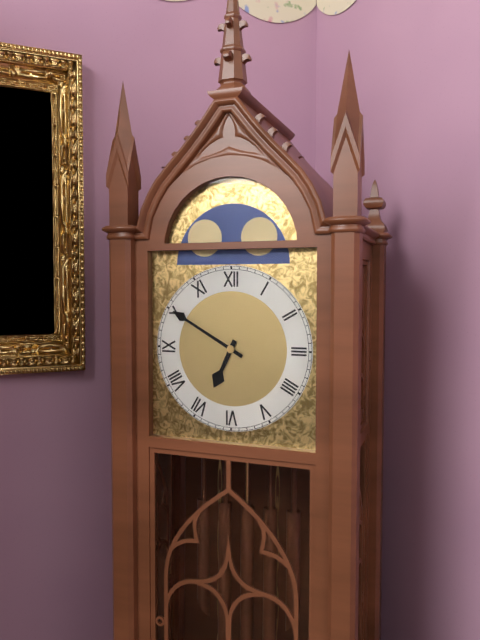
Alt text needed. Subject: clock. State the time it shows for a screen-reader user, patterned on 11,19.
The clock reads 6,50
